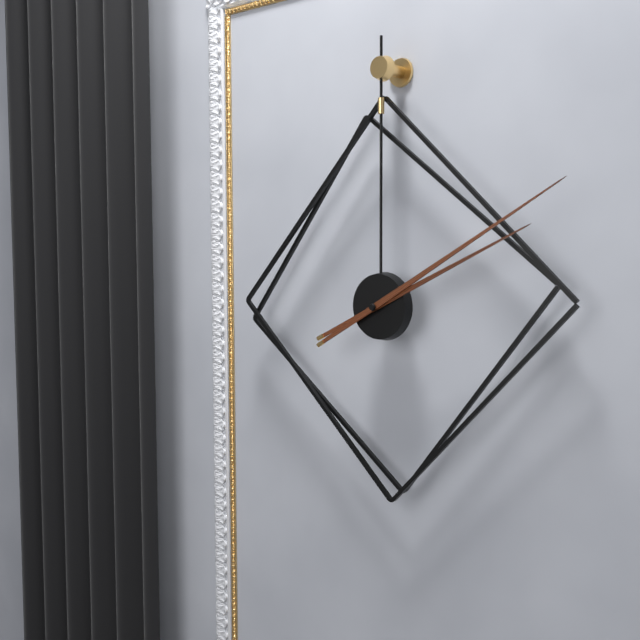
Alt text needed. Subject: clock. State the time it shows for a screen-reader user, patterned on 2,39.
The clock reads 2,10
